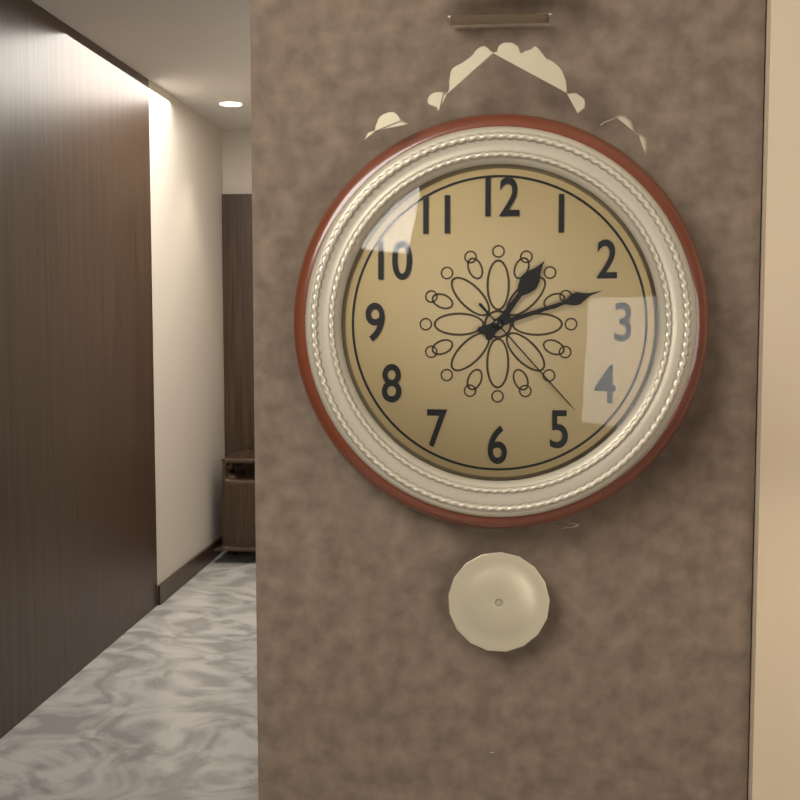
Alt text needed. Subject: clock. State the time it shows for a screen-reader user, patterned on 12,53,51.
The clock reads 1,12,23
